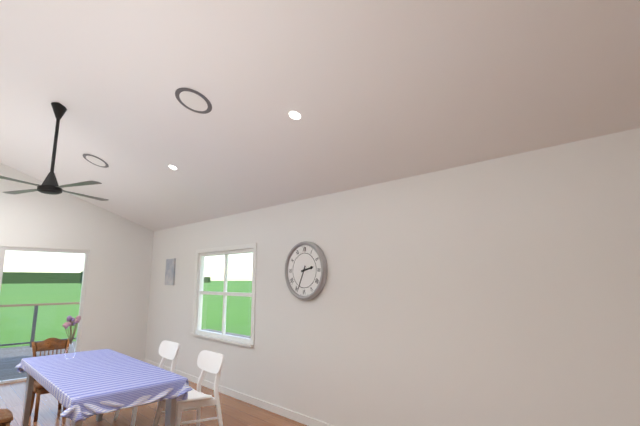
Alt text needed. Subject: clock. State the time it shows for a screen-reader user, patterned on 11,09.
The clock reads 2,34
